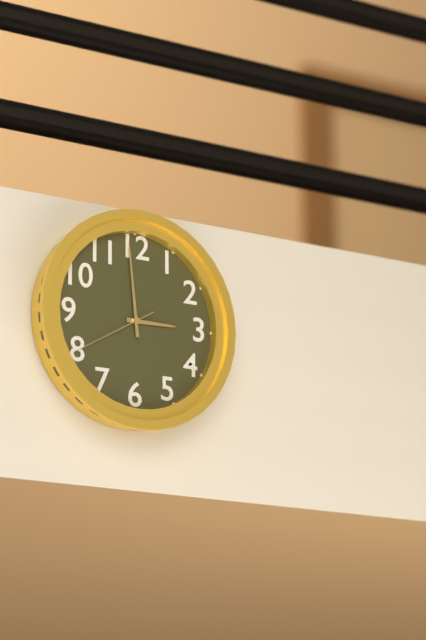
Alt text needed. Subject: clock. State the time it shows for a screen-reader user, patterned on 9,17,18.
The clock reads 2,59,40
